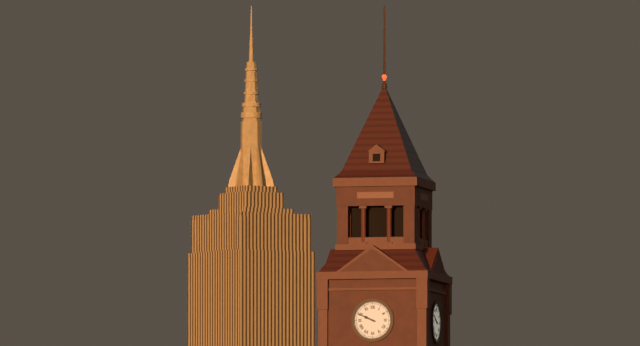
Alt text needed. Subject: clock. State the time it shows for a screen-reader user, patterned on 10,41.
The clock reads 9,49
